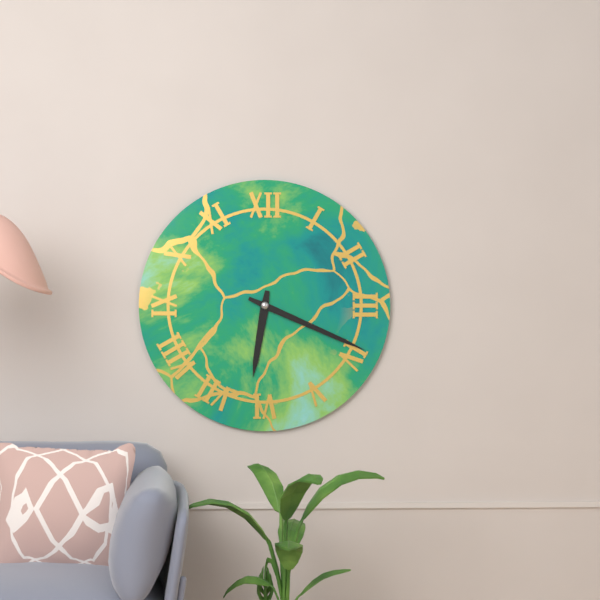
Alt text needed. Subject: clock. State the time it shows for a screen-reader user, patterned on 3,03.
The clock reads 6,19
